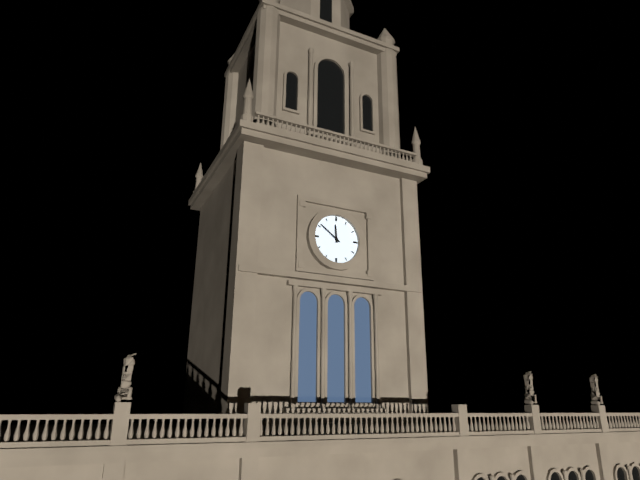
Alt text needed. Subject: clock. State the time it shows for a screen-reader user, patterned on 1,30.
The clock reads 11,51
